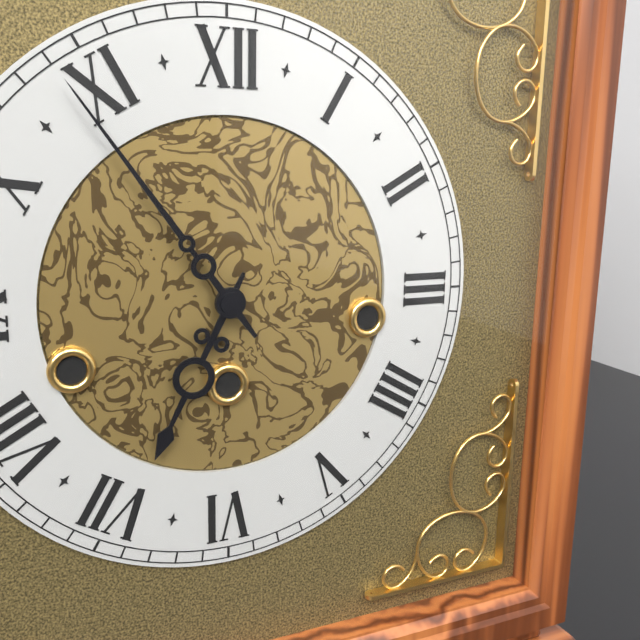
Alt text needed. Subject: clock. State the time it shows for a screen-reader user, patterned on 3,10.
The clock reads 6,54
